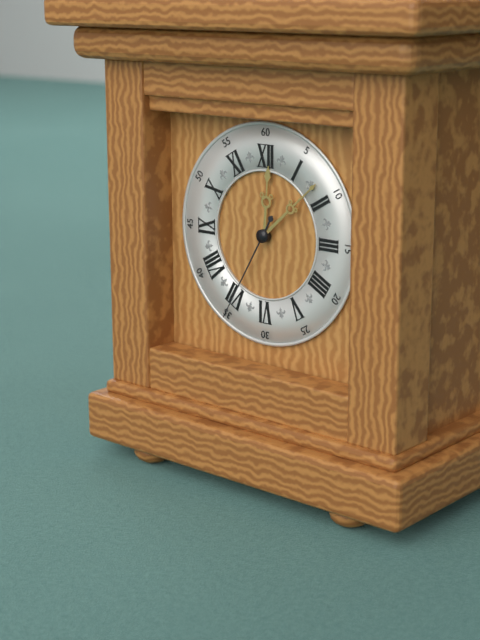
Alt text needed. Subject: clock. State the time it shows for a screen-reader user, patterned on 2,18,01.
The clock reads 12,08,35
